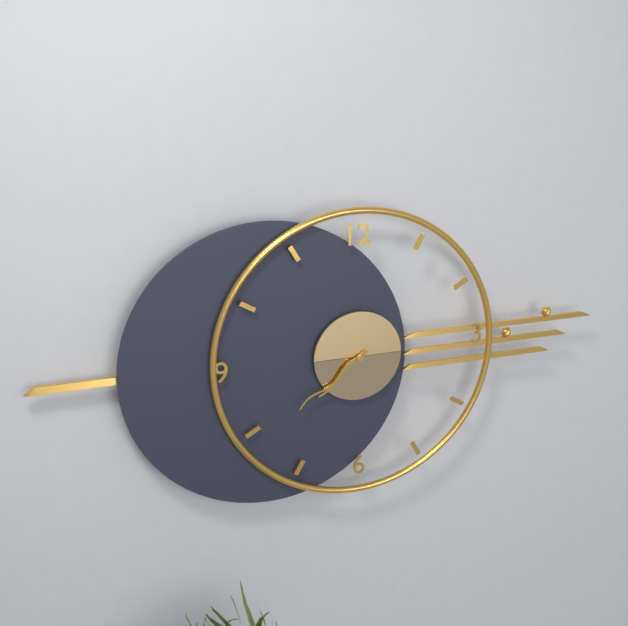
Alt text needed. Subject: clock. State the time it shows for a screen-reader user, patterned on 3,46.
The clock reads 7,39
